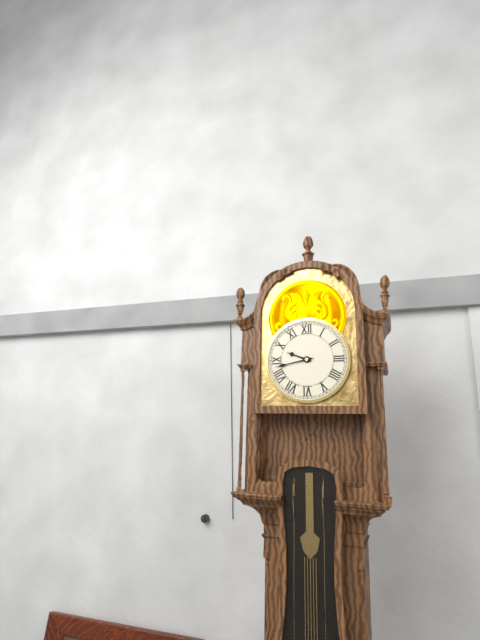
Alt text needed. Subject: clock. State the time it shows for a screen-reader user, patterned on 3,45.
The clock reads 9,43
